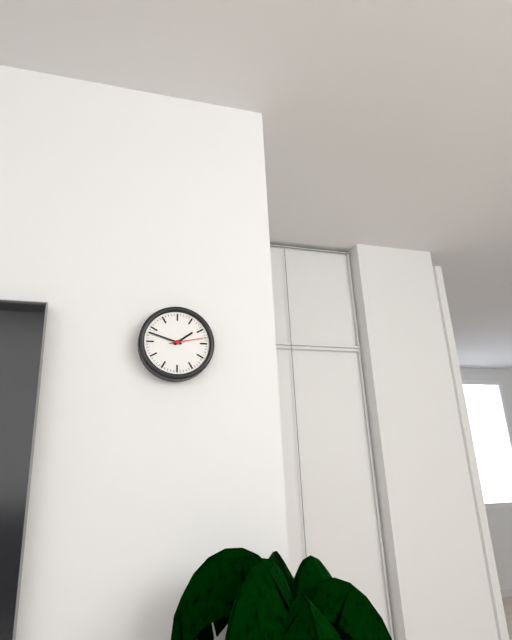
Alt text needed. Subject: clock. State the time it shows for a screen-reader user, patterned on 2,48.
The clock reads 1,48
